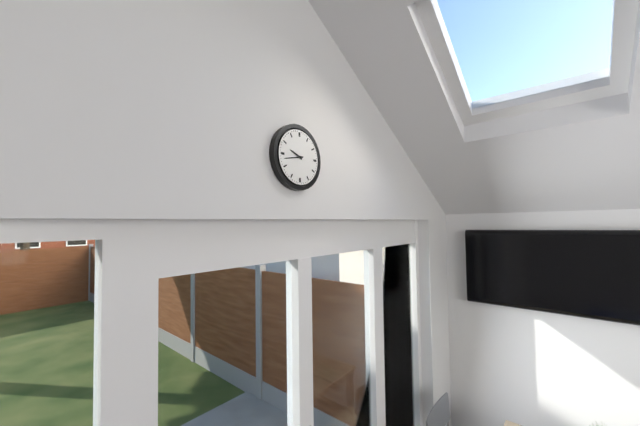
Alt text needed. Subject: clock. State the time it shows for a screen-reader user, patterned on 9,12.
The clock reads 9,43
